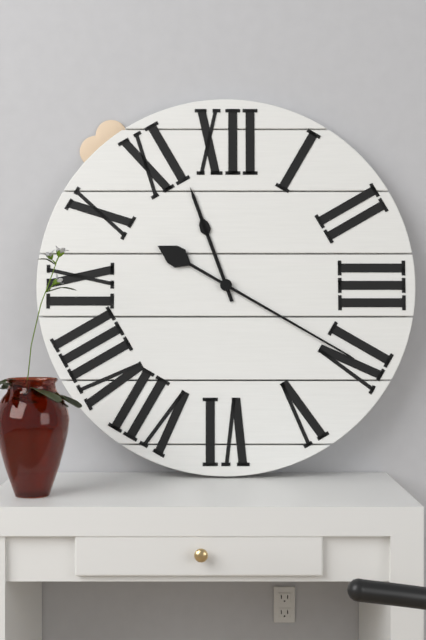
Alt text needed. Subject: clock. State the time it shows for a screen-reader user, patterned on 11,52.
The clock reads 11,20
